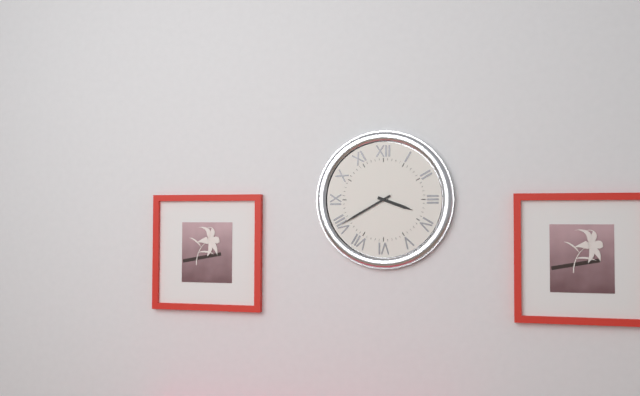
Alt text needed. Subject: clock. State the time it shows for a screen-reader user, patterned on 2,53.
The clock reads 3,40
